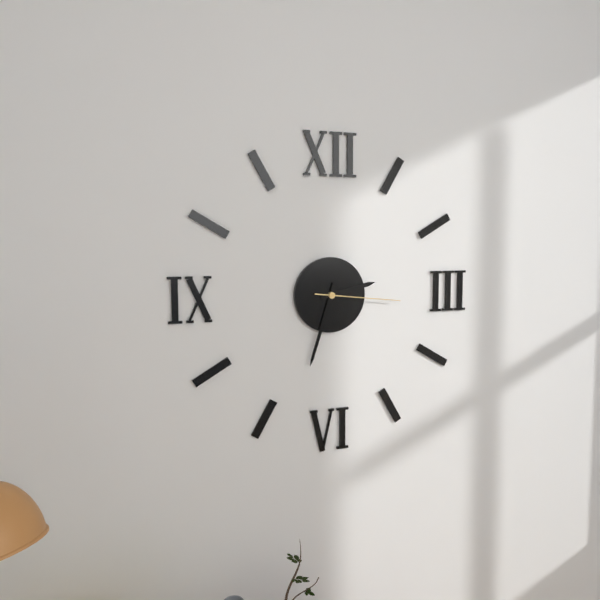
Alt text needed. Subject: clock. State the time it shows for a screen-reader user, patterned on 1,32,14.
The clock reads 2,33,16
